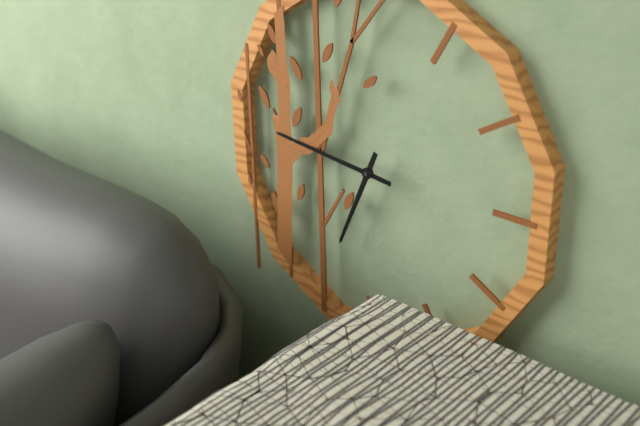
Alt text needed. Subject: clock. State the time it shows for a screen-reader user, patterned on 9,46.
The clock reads 6,46
